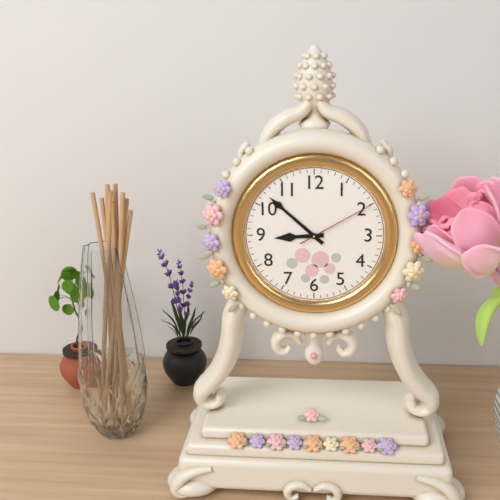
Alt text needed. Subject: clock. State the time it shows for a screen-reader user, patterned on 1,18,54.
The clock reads 8,52,10
